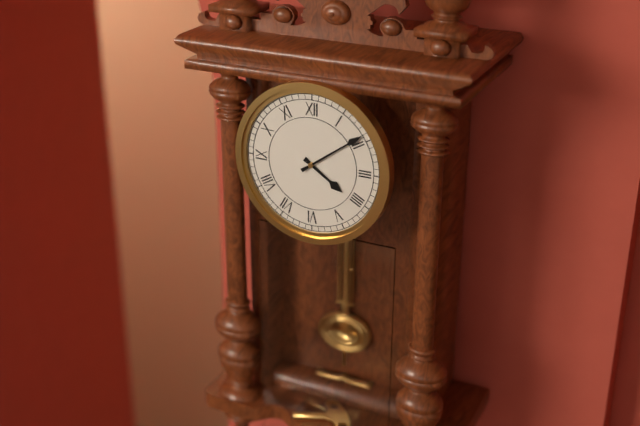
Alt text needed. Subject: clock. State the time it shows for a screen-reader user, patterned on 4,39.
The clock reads 4,09
